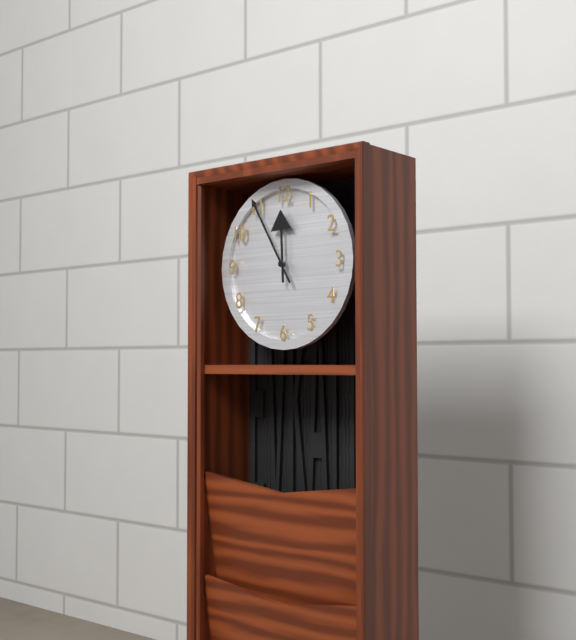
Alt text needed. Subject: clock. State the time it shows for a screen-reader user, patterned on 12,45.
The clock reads 11,55
